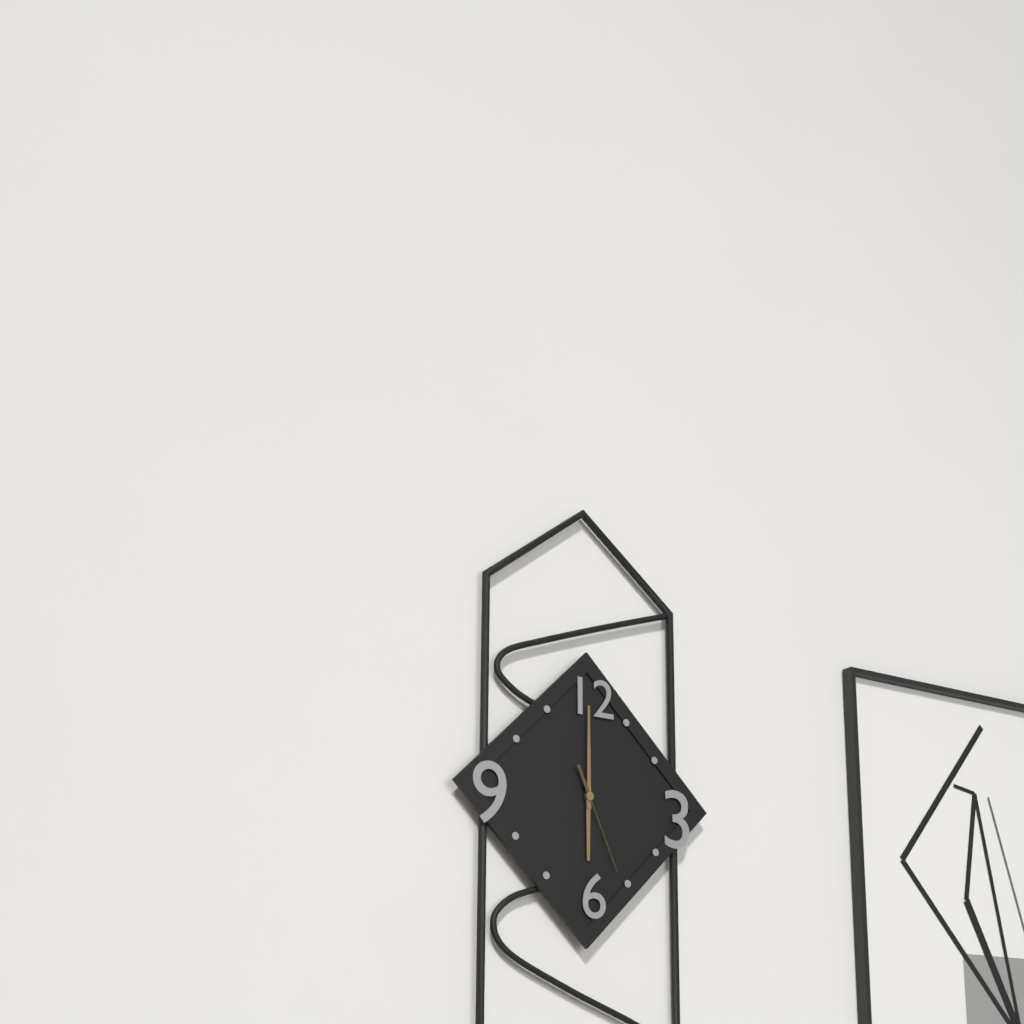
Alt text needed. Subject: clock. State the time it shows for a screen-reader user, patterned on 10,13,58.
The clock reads 6,00,26
